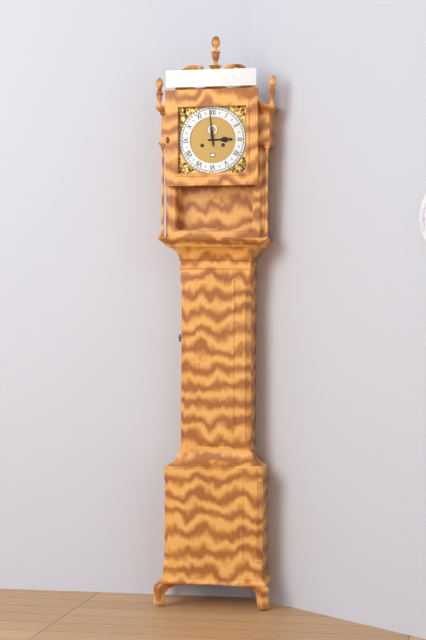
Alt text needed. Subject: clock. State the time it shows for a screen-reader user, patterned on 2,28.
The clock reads 2,59
